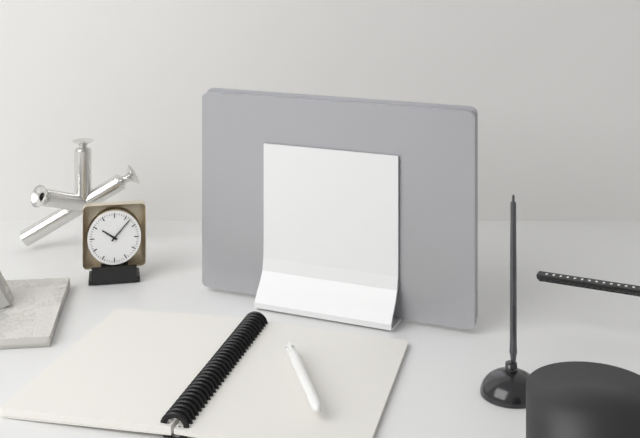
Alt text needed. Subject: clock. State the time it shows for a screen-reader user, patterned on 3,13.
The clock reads 10,07
